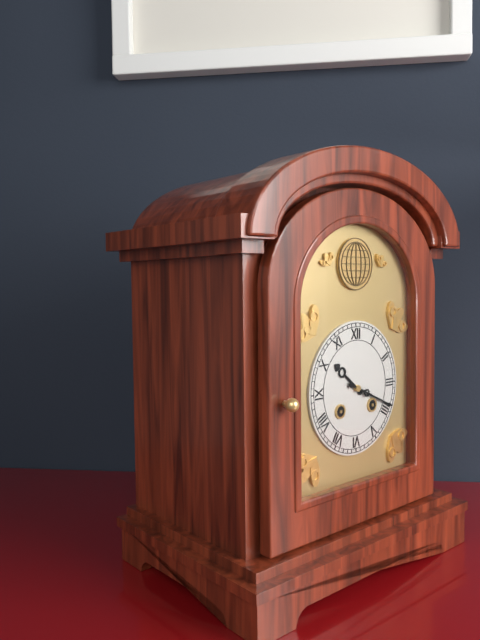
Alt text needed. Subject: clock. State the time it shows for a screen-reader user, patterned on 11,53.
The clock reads 10,19
